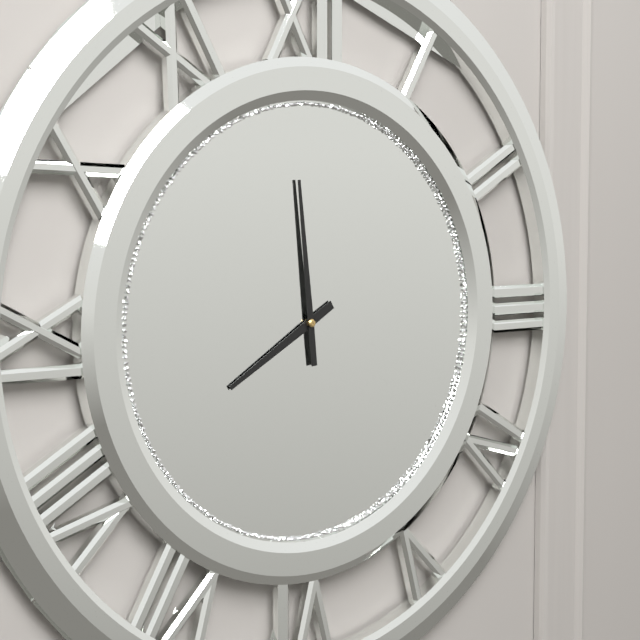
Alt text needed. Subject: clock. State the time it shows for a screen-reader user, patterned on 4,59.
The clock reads 7,59
